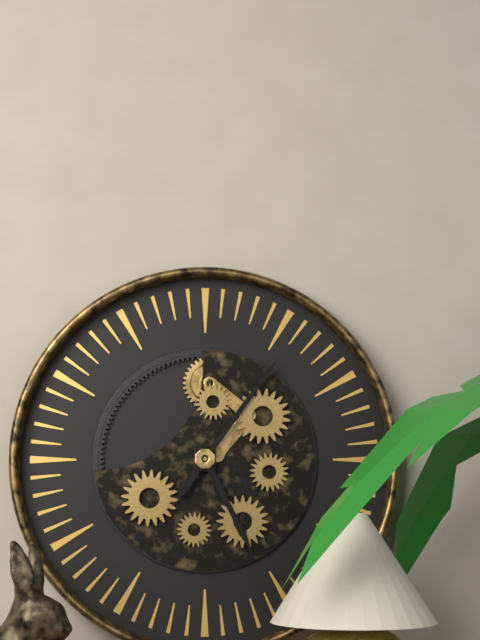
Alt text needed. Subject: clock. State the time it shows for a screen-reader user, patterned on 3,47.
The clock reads 5,06
